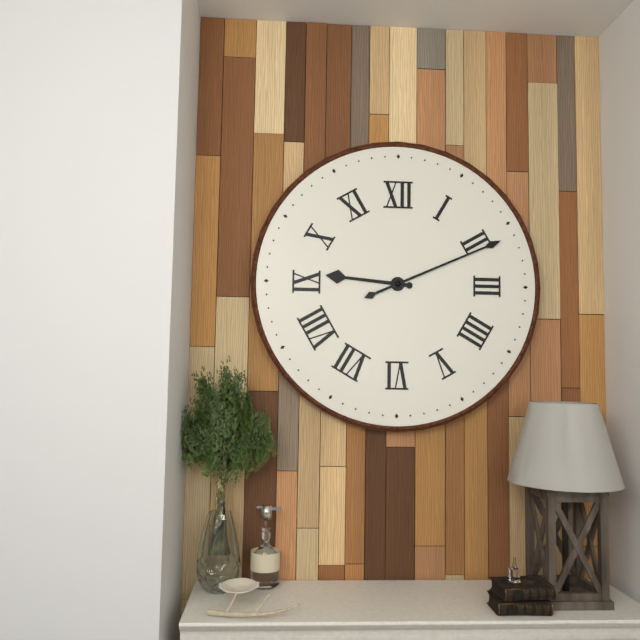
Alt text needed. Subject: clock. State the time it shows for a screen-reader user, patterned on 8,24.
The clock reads 9,11
